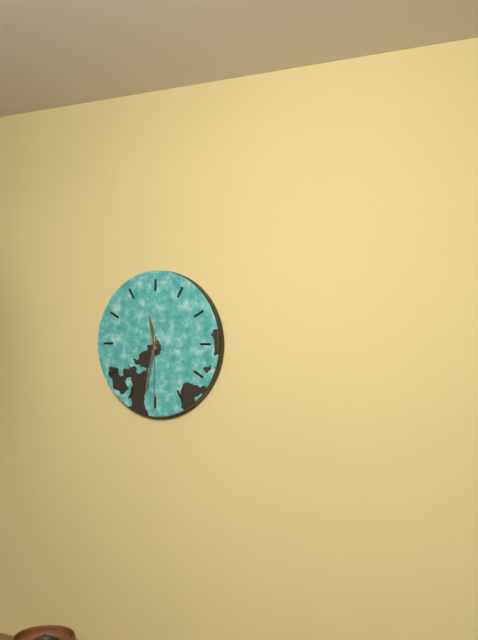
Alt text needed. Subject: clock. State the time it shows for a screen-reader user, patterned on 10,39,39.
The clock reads 11,32,30
